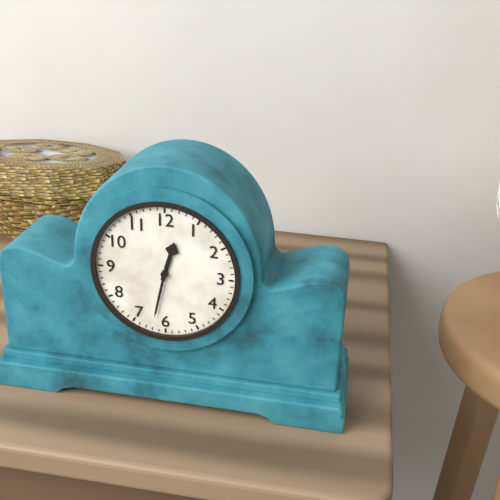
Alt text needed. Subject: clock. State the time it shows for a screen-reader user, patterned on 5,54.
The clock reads 12,32
